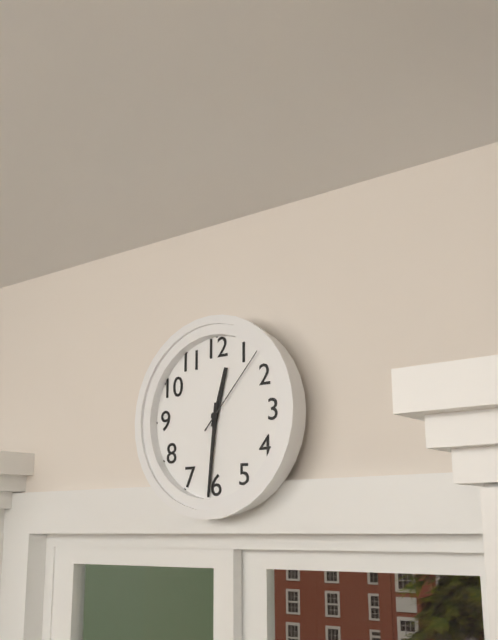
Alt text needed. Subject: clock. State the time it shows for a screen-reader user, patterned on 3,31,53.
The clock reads 12,31,07
